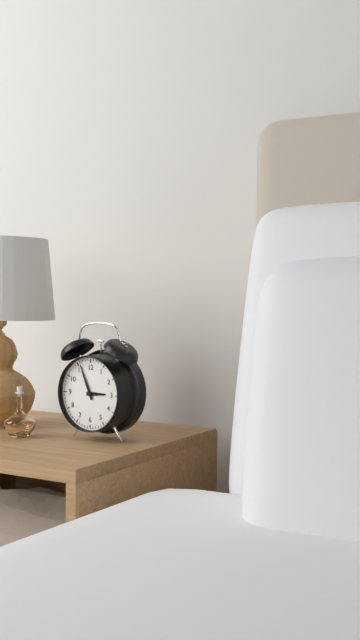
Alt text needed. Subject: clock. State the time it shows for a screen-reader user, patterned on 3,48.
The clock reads 2,56
